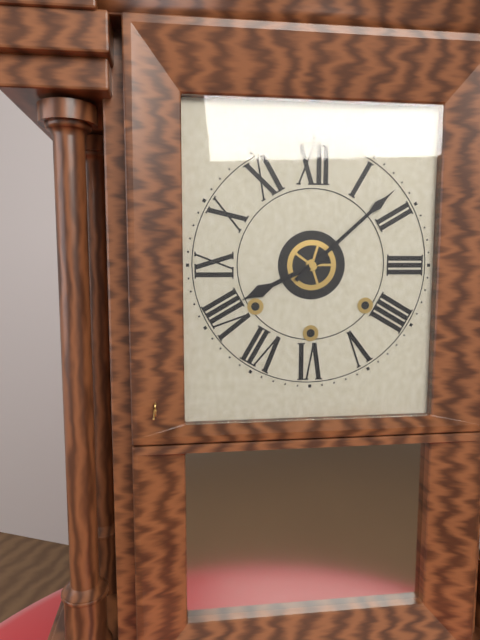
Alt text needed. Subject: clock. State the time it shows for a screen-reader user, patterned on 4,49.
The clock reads 8,08
